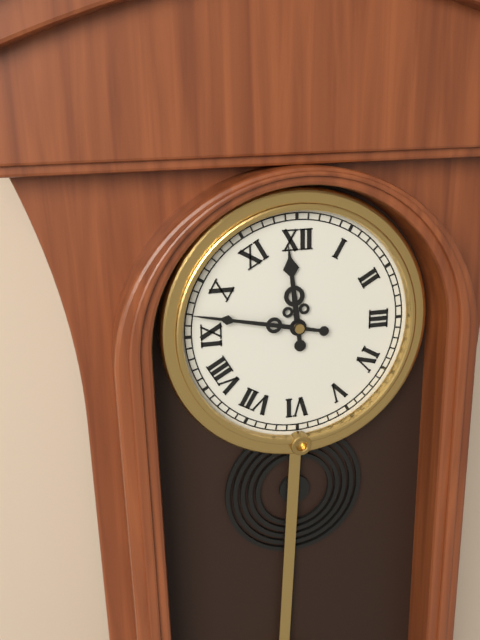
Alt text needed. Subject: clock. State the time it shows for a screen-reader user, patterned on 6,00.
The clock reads 11,47
